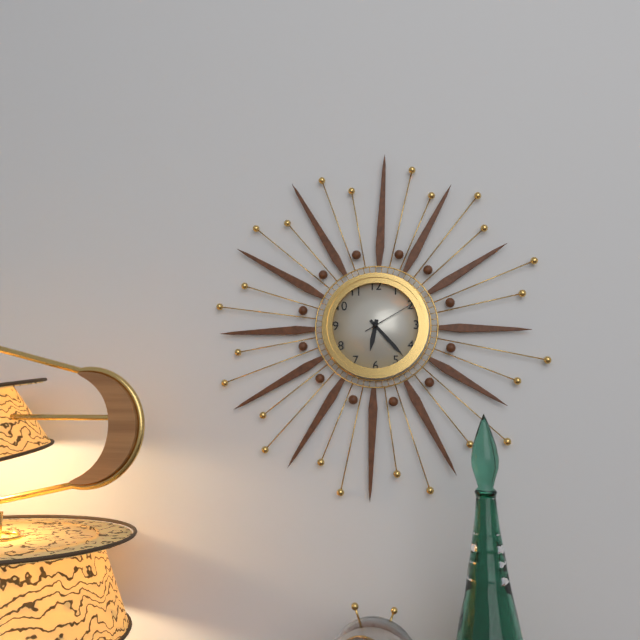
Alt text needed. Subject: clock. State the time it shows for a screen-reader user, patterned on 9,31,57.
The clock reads 6,23,10
